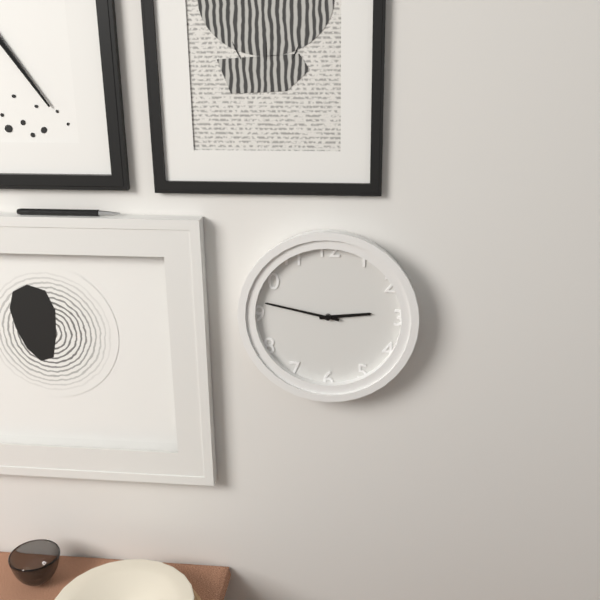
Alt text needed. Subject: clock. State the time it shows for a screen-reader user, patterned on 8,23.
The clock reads 2,47
